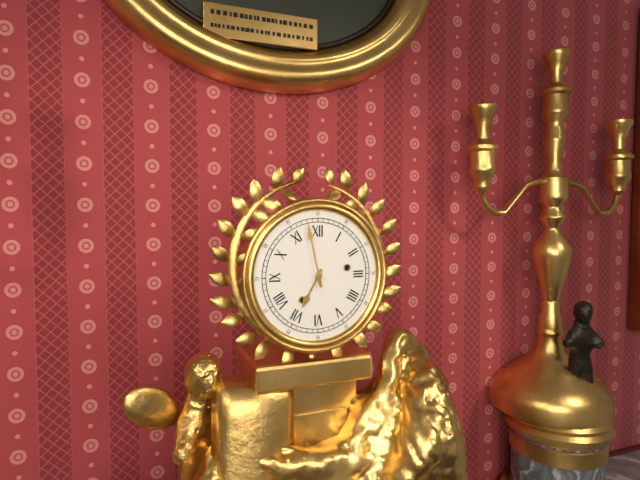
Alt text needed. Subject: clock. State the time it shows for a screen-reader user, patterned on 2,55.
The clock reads 6,58
